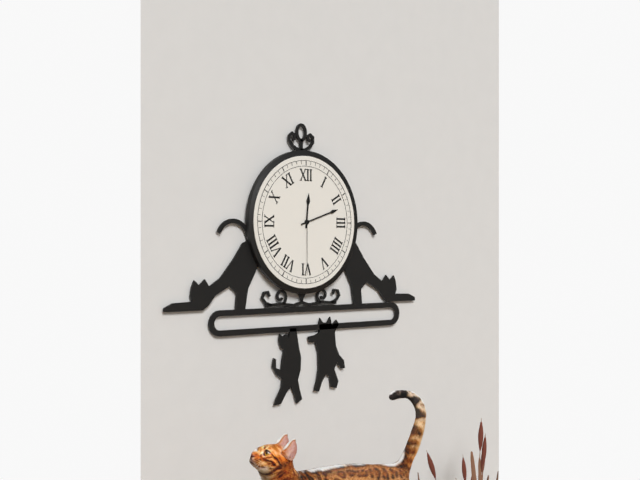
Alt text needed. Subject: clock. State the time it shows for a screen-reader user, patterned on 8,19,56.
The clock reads 12,12,30
